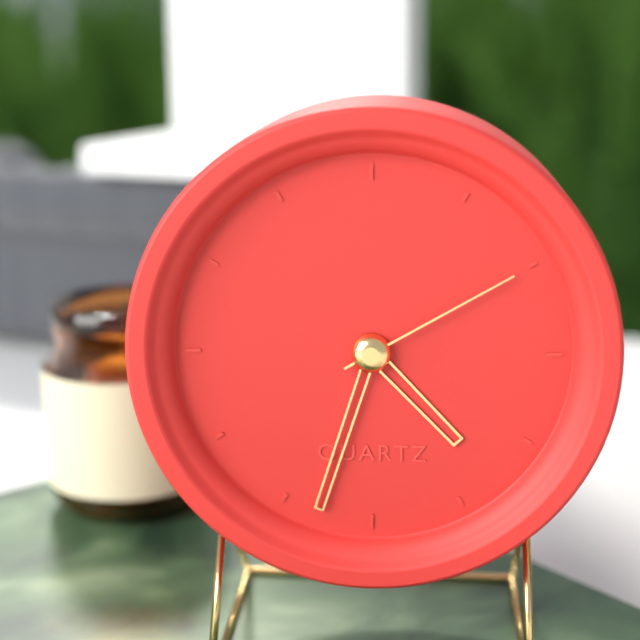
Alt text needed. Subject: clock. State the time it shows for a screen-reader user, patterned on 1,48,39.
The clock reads 4,33,10
